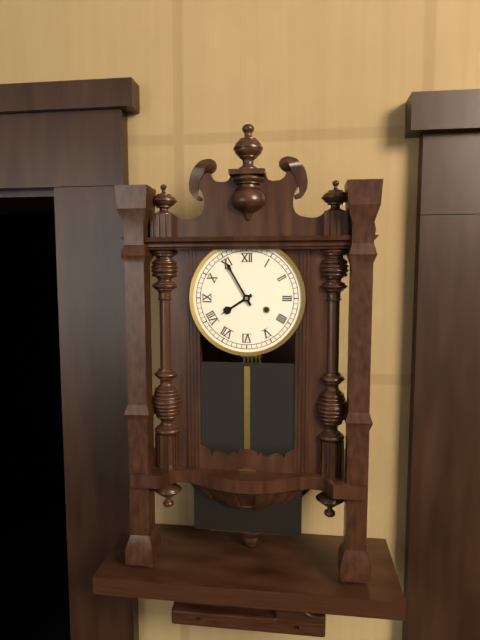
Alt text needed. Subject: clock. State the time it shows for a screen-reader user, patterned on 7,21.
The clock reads 7,55
